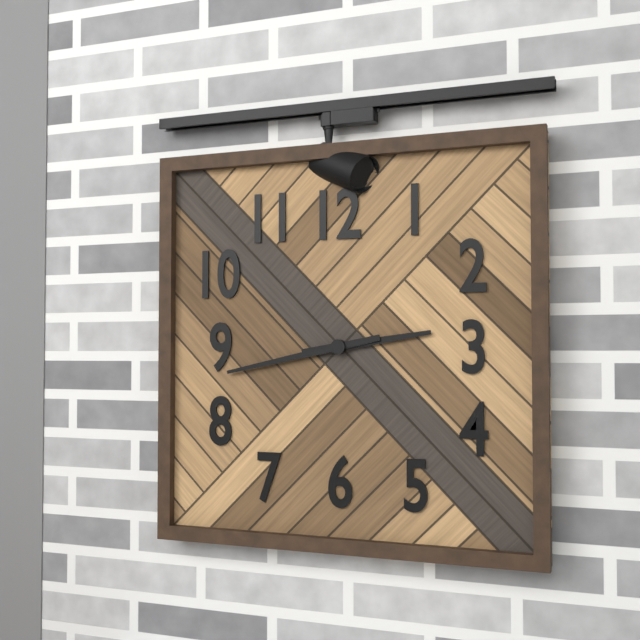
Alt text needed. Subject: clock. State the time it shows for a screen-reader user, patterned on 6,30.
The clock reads 2,43
